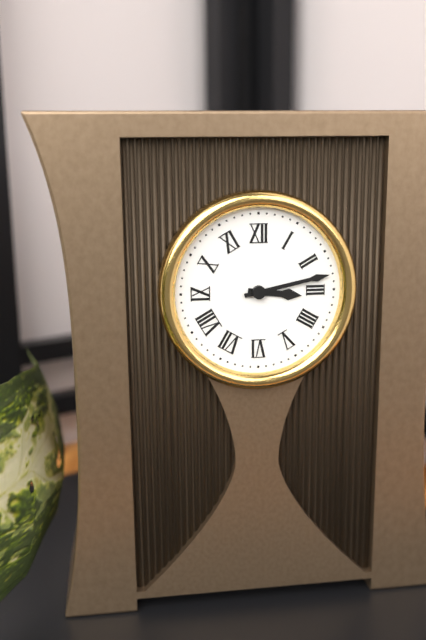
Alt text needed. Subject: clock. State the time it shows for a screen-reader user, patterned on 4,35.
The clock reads 3,13
